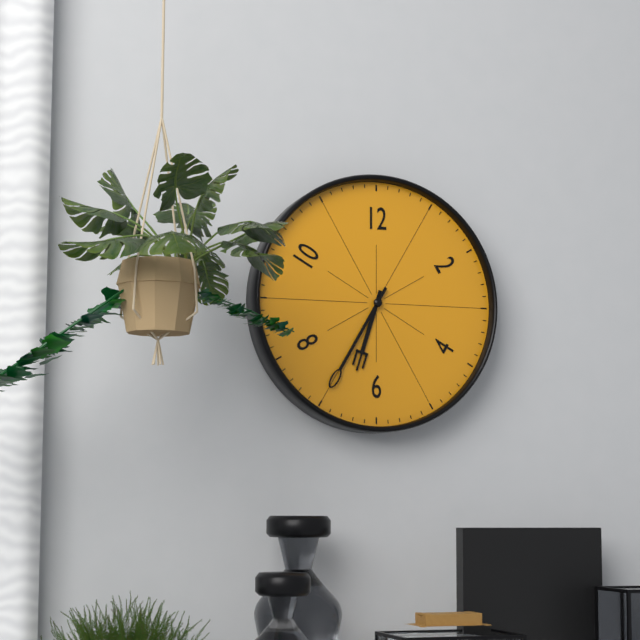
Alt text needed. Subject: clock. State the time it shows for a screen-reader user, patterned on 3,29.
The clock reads 6,35
